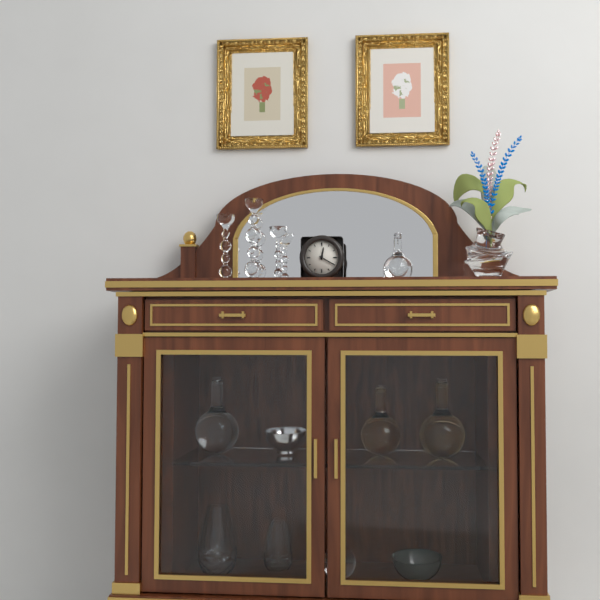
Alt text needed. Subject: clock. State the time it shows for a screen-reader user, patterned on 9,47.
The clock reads 12,20
